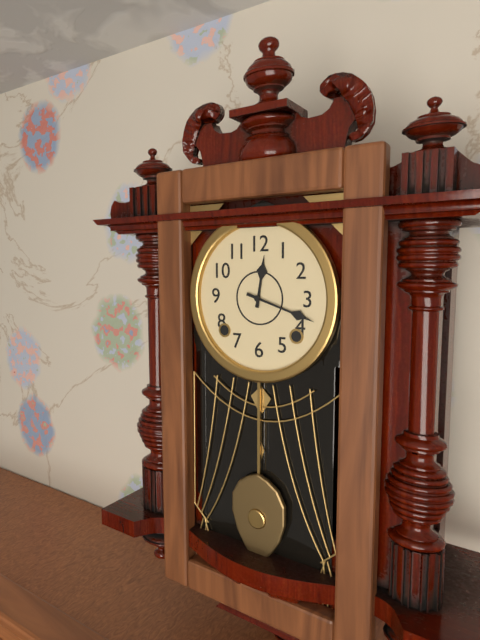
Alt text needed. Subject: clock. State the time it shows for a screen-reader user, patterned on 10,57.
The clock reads 12,18
